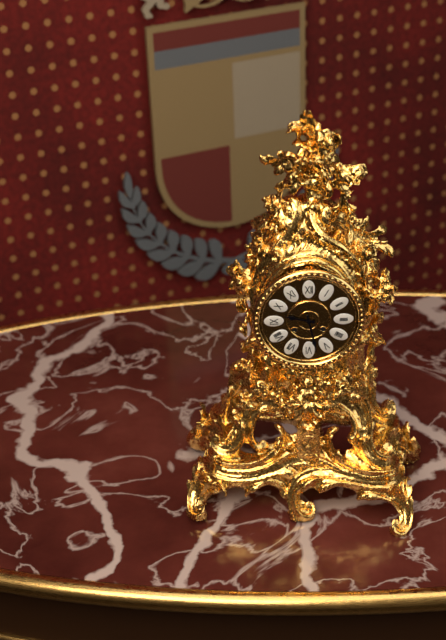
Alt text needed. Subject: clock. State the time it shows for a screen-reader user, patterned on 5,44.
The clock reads 9,28
